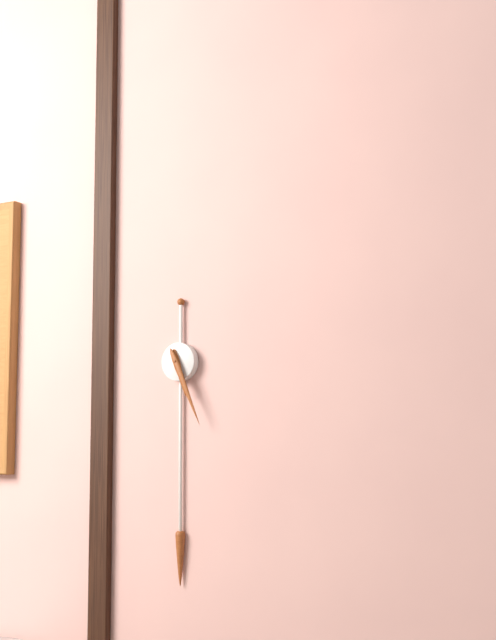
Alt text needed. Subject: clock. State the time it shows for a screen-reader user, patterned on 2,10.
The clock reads 5,26
